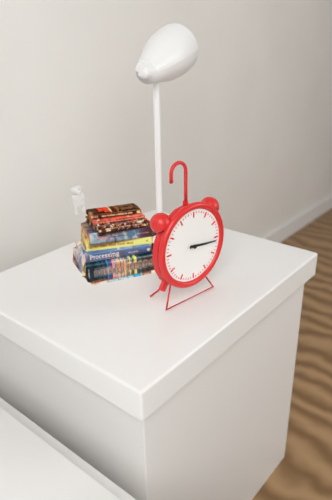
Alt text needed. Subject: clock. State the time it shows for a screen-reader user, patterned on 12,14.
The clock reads 3,16
